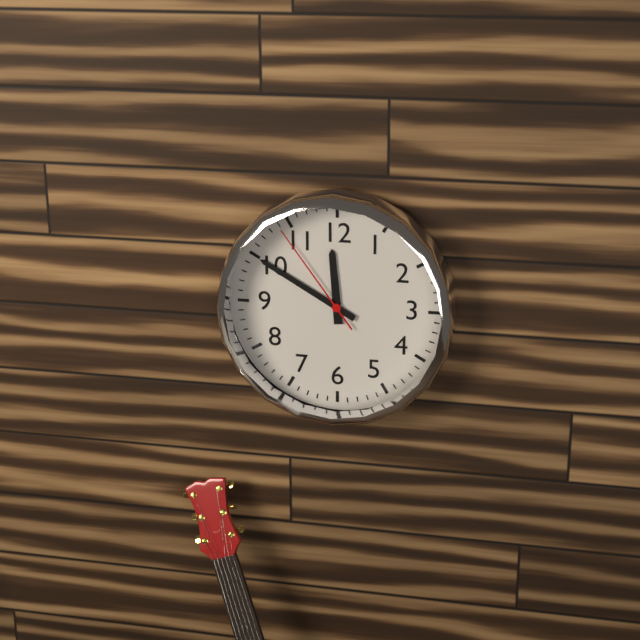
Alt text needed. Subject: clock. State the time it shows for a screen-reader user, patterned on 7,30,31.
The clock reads 11,50,54
